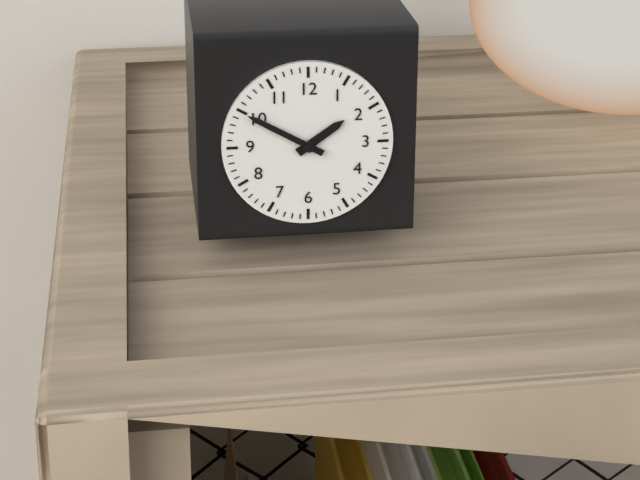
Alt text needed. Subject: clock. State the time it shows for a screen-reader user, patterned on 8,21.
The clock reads 1,50
